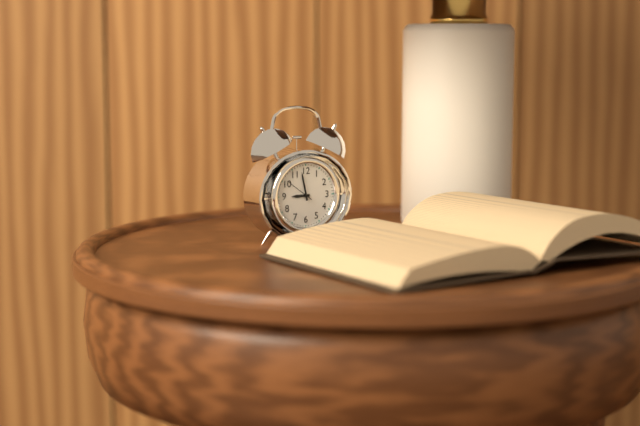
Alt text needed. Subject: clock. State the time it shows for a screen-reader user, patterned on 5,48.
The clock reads 8,58
